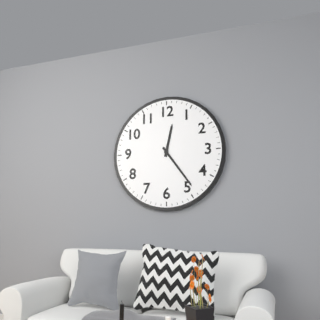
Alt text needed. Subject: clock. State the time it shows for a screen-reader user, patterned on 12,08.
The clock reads 12,24
